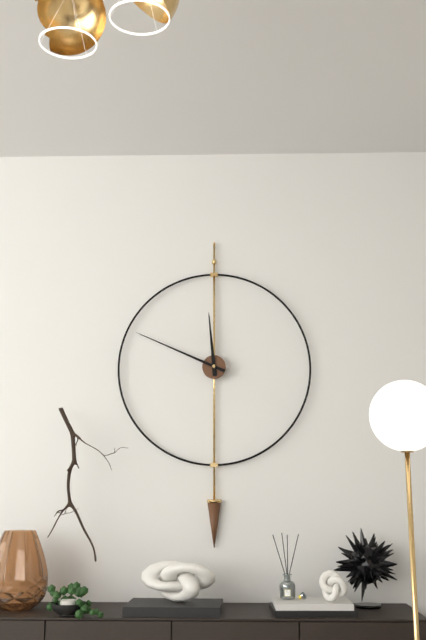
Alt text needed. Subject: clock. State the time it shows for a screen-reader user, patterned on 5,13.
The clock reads 11,49
